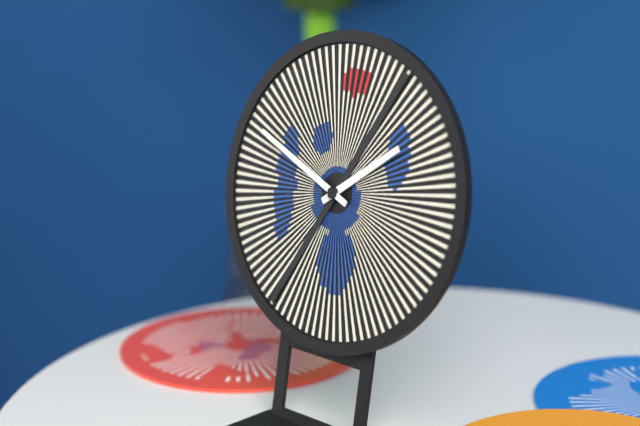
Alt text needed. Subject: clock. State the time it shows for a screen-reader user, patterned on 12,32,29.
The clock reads 1,49,35
